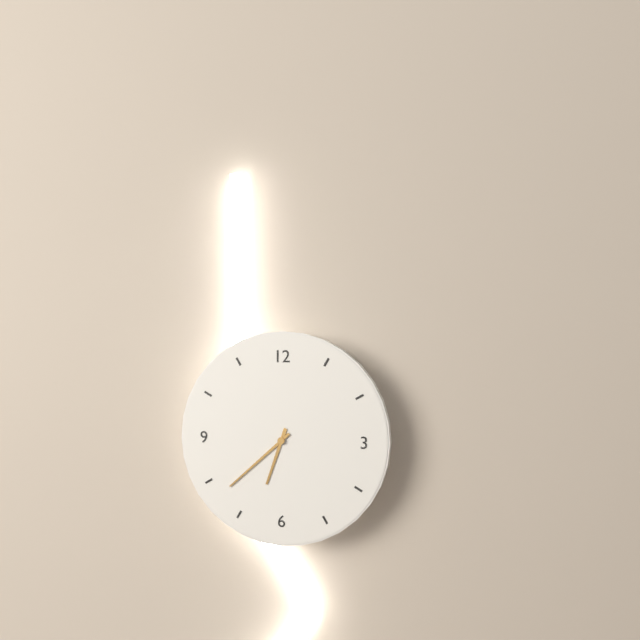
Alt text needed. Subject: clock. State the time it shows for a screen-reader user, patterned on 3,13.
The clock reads 6,38
